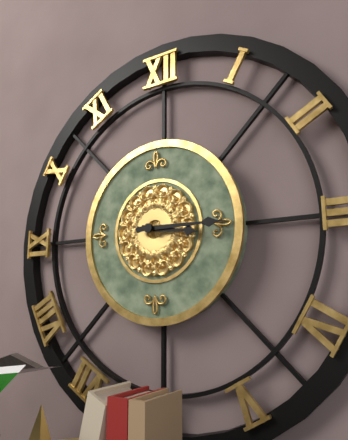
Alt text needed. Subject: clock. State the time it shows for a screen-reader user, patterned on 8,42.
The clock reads 3,15
